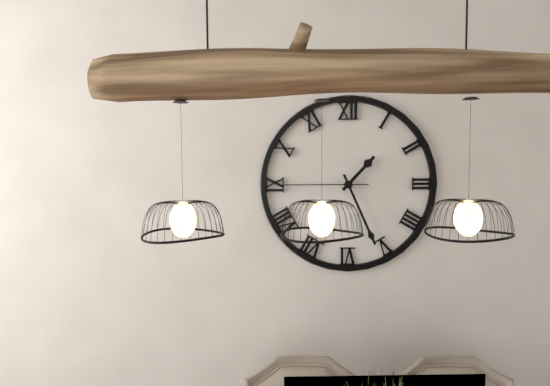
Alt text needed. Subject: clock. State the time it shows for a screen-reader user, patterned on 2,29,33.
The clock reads 1,26,45
